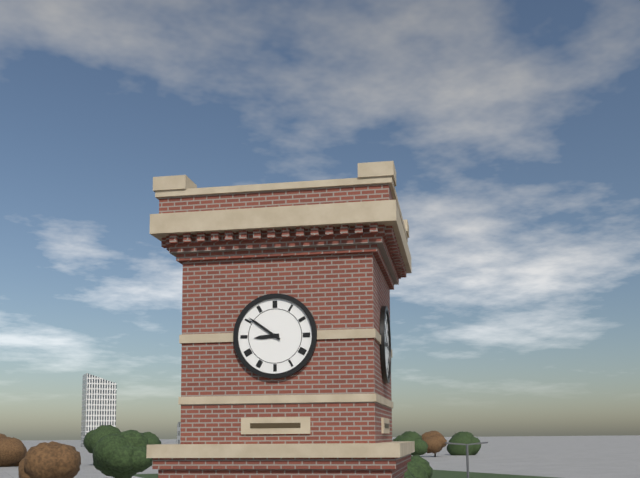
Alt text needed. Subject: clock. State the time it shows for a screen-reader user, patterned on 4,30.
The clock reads 8,51
